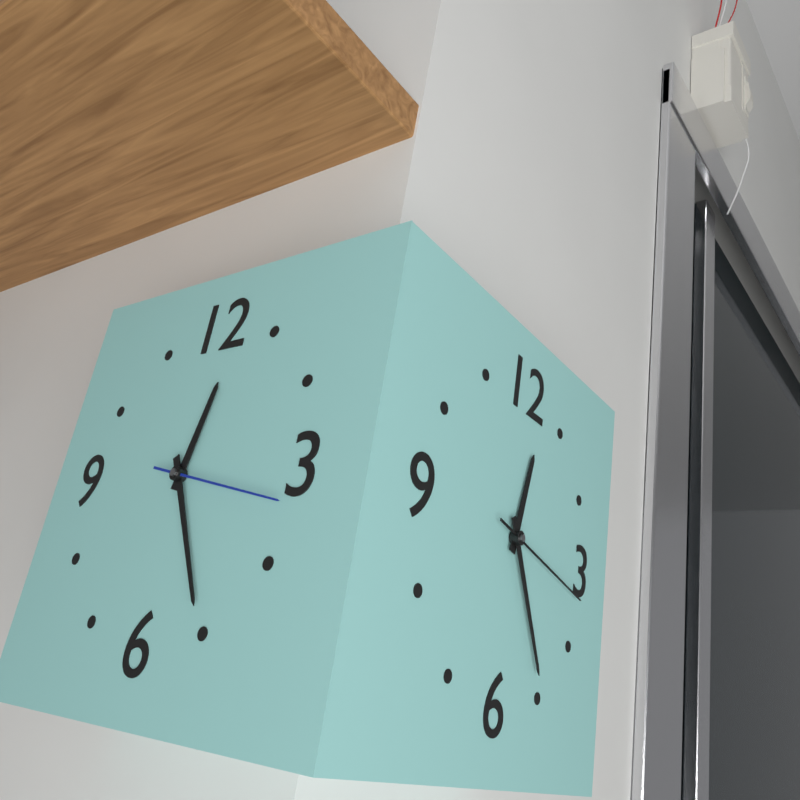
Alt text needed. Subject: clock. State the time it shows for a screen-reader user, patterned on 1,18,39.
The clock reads 12,25,17
